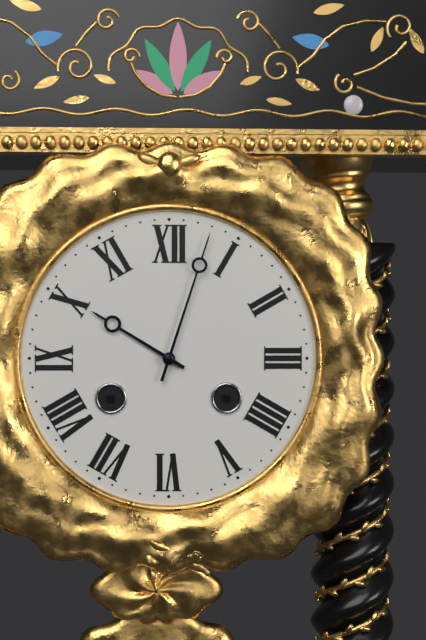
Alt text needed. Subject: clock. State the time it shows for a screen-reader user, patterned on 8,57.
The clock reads 10,03
